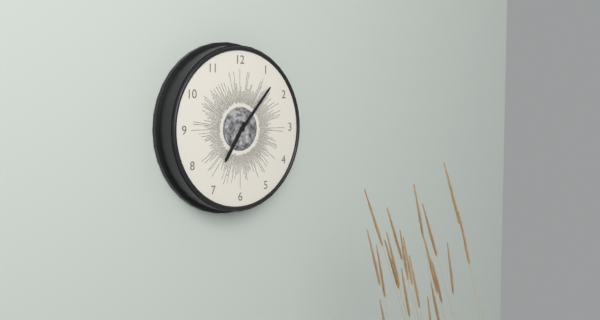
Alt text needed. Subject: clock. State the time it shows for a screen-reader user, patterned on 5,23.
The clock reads 7,07
